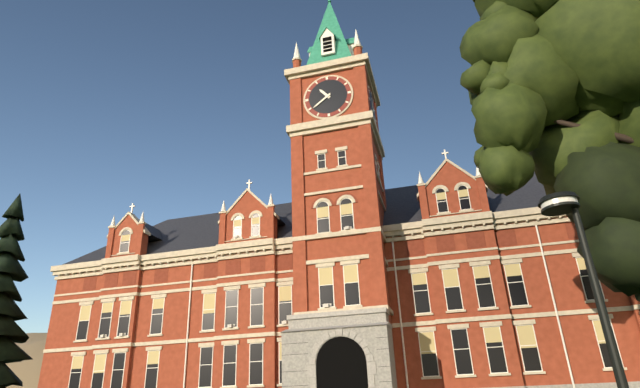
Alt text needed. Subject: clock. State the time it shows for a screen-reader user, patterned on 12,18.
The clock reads 10,39
